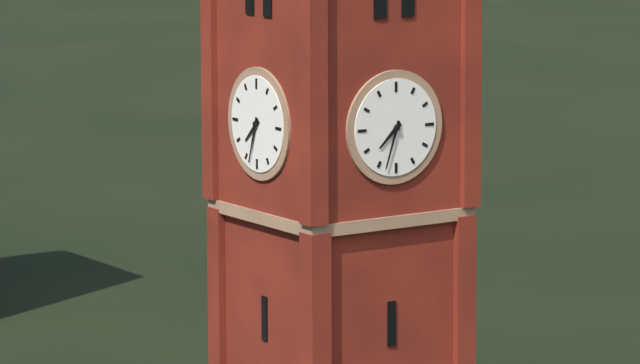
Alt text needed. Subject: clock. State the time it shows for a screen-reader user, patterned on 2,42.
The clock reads 7,33
